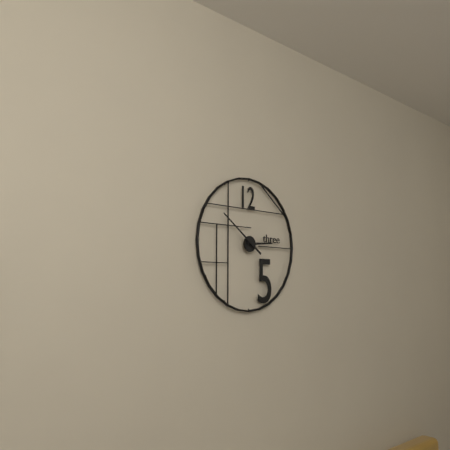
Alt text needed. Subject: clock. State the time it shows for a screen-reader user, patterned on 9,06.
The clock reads 2,51
